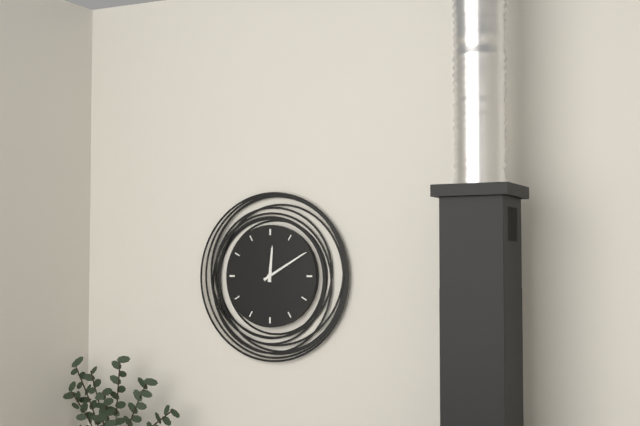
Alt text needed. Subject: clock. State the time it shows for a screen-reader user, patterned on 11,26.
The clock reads 12,10
